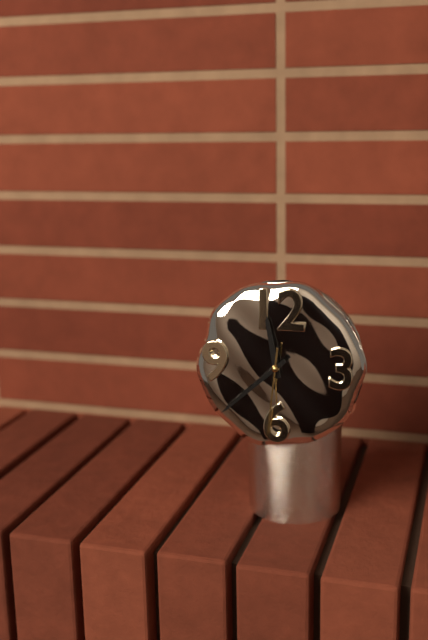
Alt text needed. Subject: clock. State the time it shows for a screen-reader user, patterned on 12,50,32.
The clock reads 11,38,31
